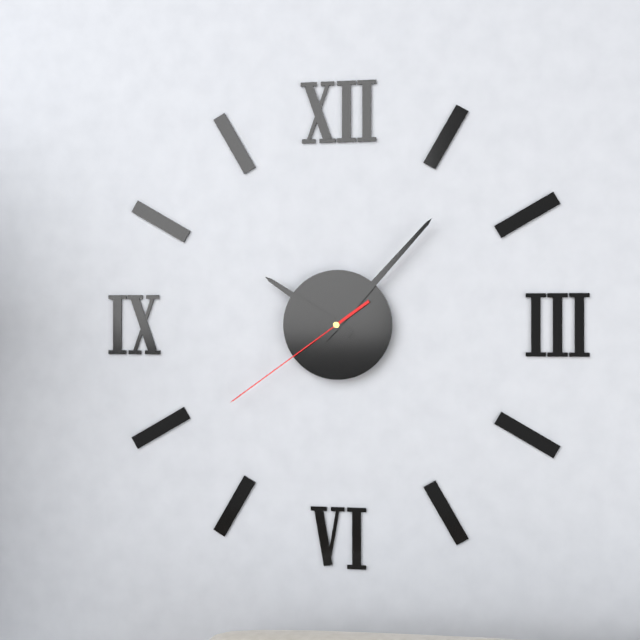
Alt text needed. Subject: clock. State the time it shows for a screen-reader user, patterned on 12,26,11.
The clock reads 10,07,39
